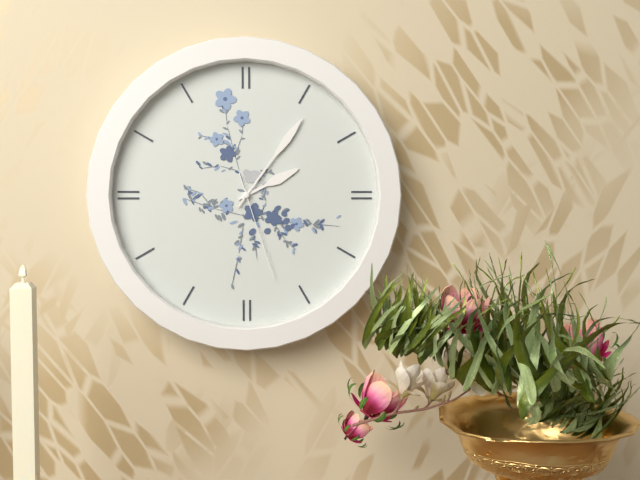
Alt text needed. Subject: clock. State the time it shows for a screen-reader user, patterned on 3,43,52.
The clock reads 2,06,27
